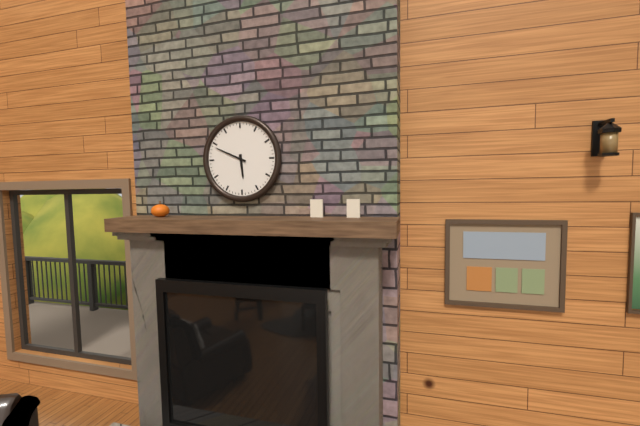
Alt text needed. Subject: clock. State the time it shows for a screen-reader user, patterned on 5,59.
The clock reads 5,49
